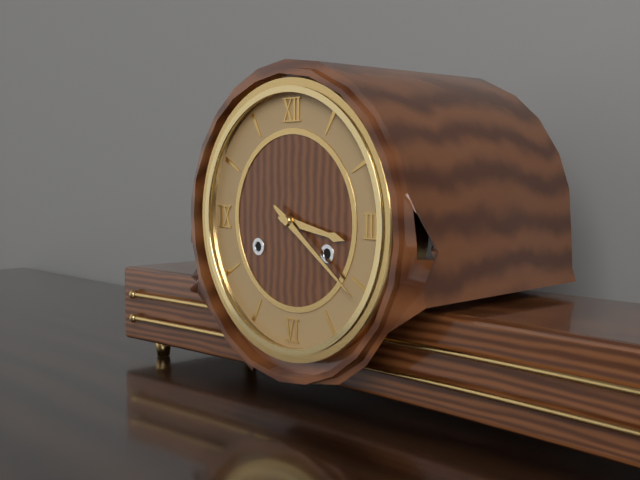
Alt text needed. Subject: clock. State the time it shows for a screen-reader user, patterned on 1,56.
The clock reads 3,21
